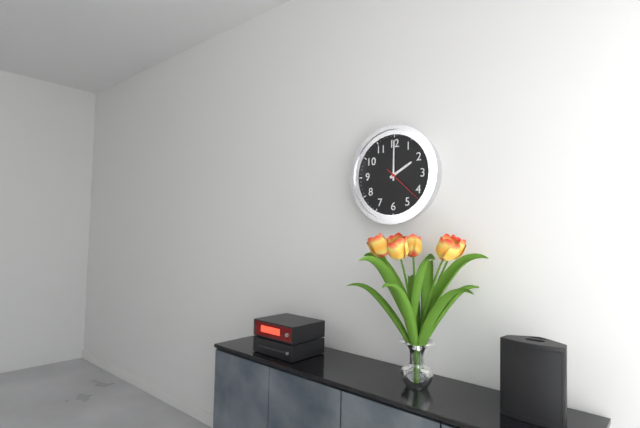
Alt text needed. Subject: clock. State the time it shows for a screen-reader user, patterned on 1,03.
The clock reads 2,00
